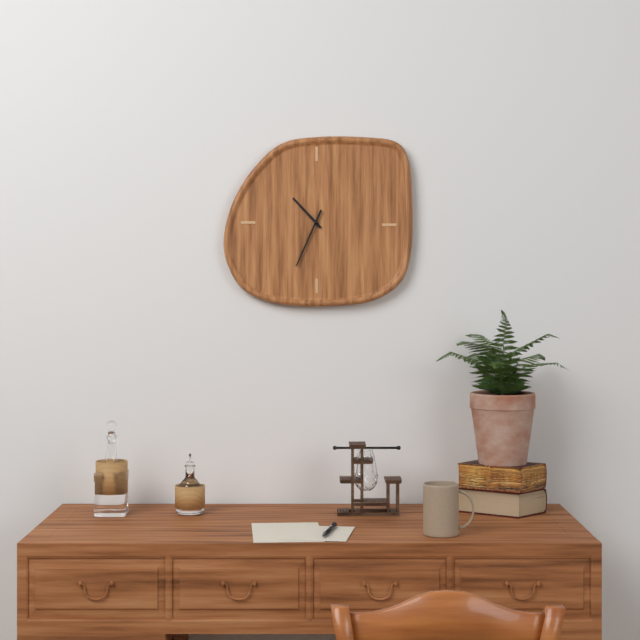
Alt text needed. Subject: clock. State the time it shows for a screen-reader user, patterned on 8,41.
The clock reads 10,34
